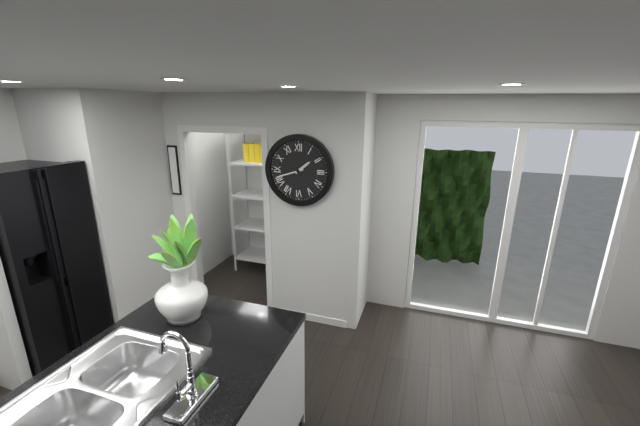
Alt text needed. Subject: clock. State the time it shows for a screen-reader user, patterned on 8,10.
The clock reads 1,42
